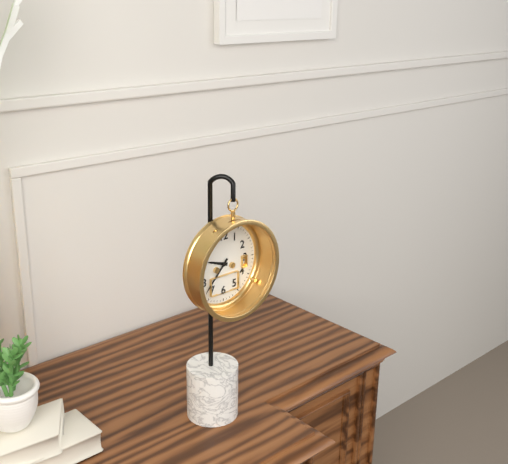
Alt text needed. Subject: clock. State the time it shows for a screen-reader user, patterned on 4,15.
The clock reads 9,37
